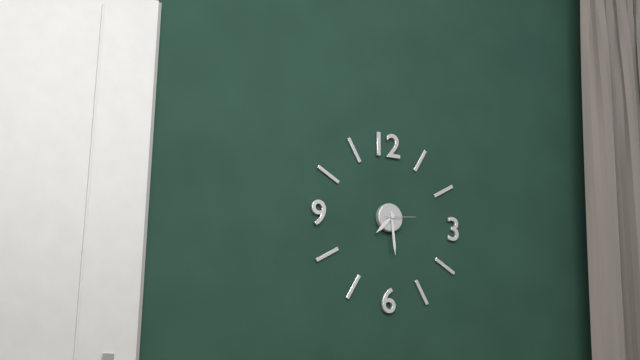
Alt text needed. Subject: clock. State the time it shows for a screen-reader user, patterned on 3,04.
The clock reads 7,29
